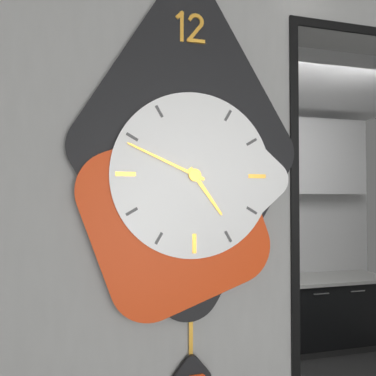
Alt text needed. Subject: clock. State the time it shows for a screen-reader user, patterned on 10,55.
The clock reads 4,49
